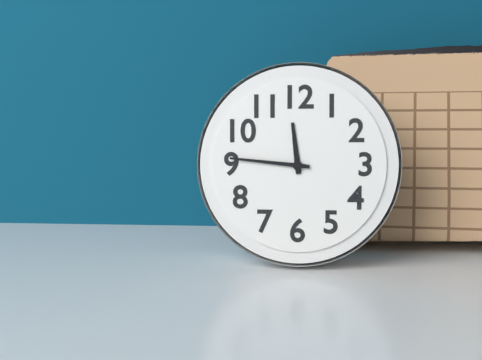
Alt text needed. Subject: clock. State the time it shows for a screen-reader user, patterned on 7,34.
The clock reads 11,46
